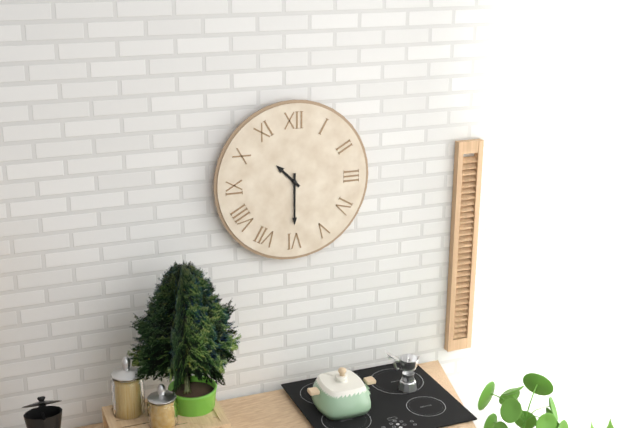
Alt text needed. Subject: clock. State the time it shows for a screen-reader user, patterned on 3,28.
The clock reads 10,30
